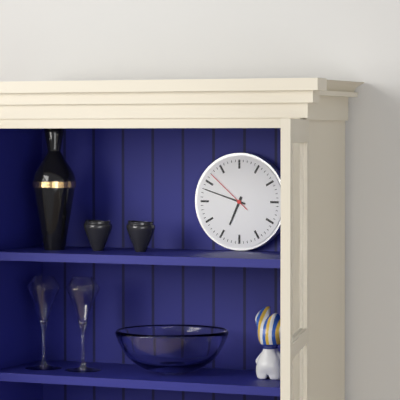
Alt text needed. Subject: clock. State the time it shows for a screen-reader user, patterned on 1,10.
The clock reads 6,48
